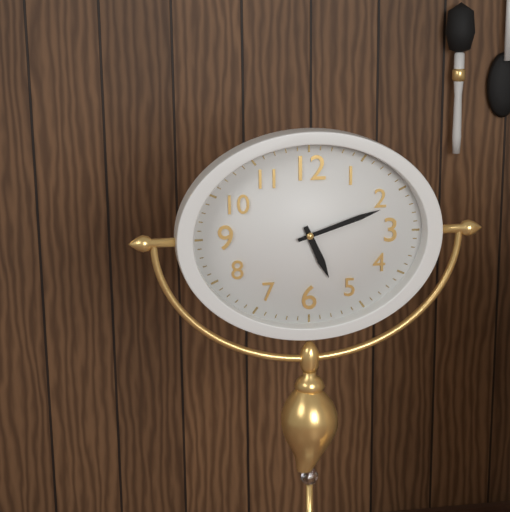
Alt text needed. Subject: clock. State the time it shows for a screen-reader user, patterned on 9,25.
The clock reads 5,12
